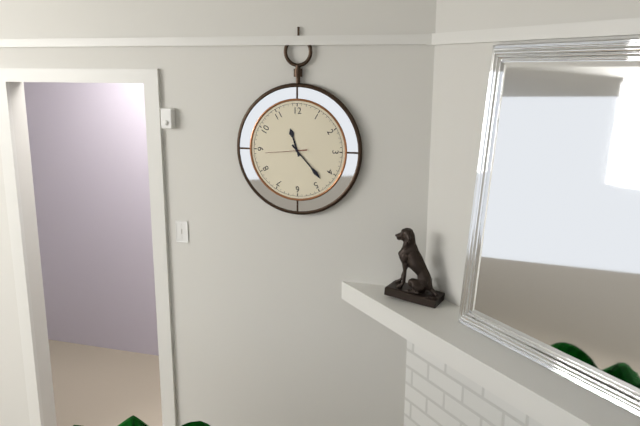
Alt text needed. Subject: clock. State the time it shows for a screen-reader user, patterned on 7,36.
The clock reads 11,23
